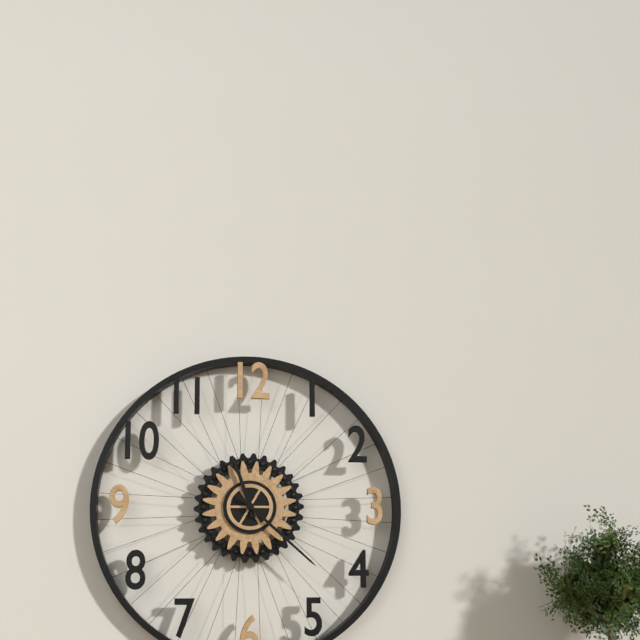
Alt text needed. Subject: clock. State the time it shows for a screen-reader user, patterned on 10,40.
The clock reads 11,22
